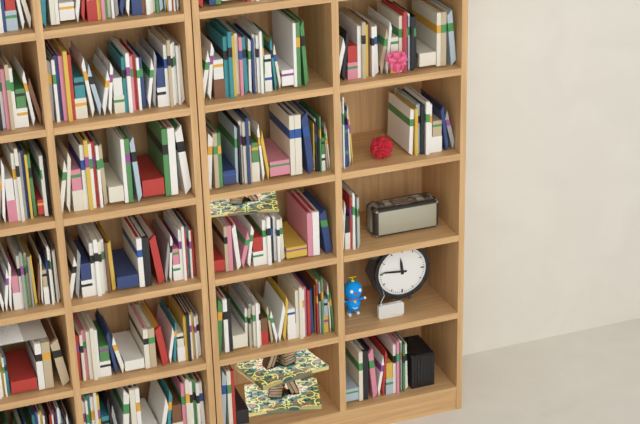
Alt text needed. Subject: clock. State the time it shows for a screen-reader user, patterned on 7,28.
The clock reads 11,46
